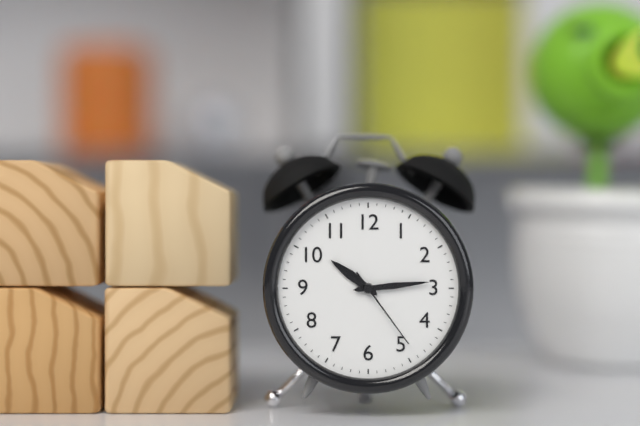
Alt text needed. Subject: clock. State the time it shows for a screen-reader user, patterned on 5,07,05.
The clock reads 10,14,24
